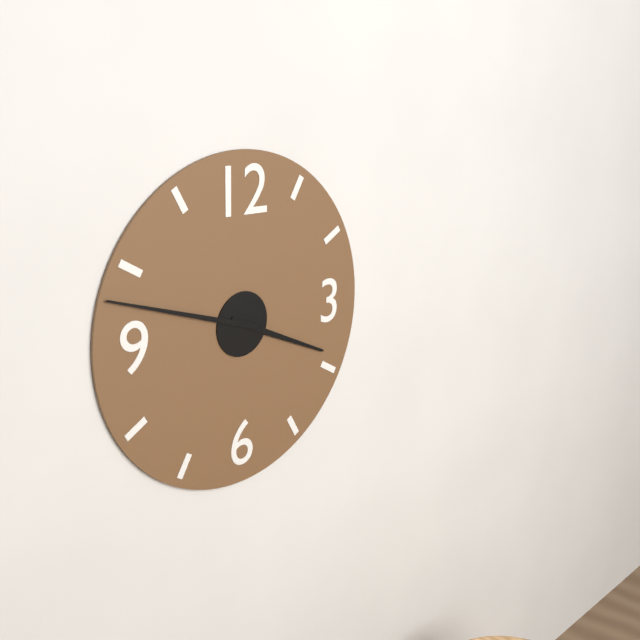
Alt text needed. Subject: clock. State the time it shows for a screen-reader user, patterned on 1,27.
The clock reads 3,48
